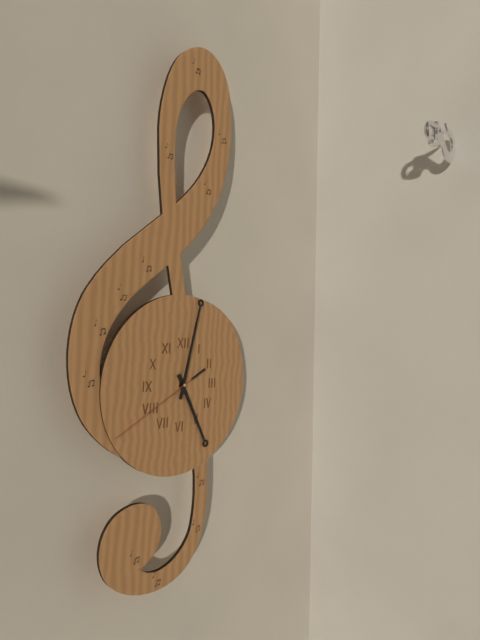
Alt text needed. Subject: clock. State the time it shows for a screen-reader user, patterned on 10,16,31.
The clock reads 5,02,40
